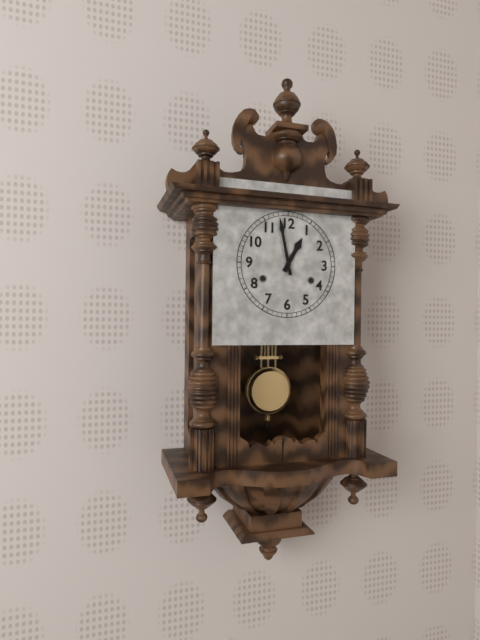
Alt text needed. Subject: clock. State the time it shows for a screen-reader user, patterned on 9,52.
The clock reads 12,58
